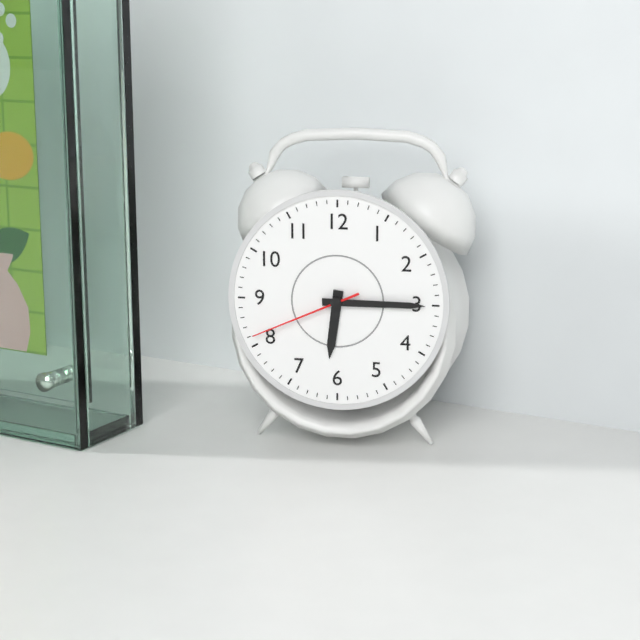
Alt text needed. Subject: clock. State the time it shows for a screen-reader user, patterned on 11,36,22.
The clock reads 6,15,41
